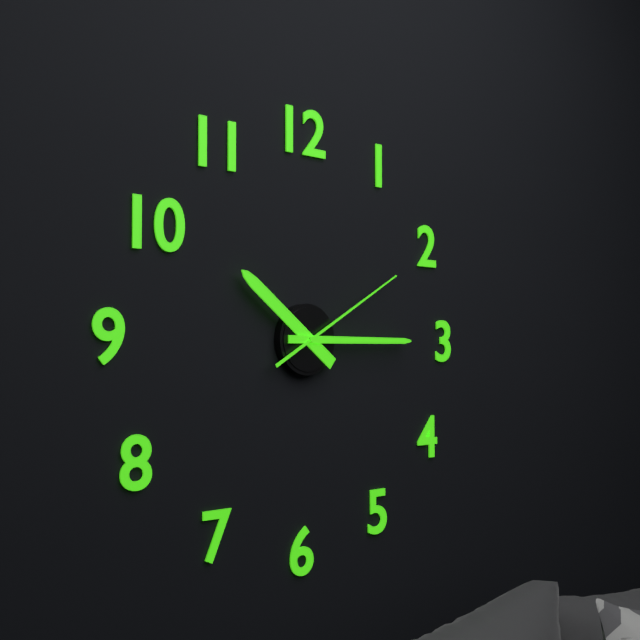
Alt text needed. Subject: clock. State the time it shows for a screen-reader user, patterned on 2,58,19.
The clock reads 10,15,10
